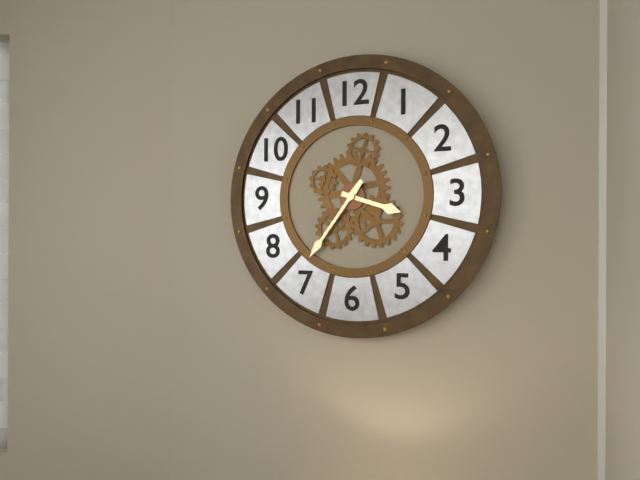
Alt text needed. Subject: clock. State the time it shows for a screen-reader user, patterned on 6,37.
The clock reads 3,36
